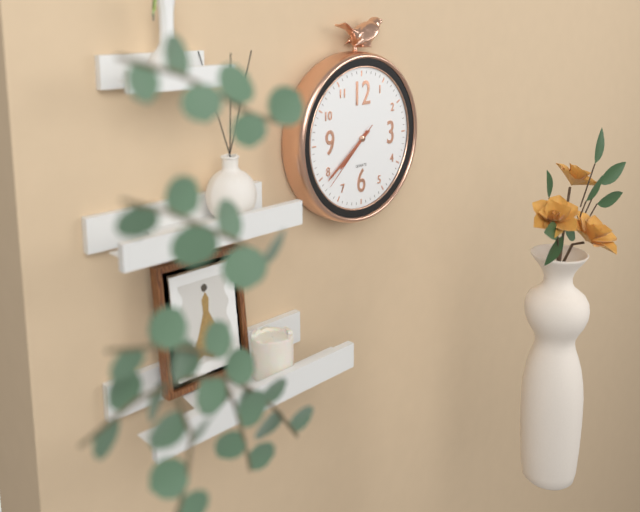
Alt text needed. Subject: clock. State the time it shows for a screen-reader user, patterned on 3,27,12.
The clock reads 7,39,38
